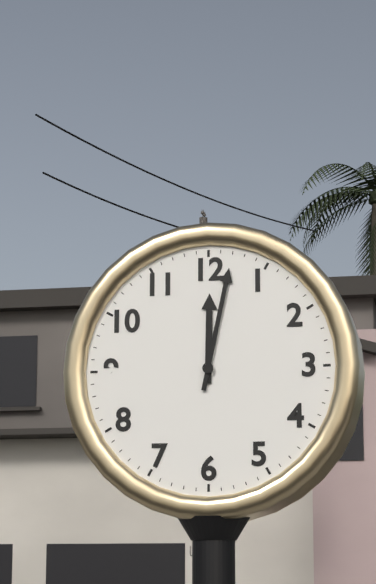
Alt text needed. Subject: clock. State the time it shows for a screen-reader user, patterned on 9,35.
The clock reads 12,02
